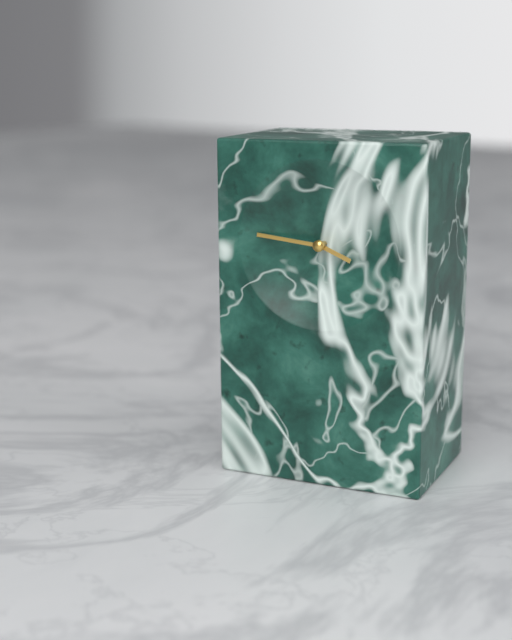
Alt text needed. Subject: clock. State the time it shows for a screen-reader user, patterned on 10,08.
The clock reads 3,46
